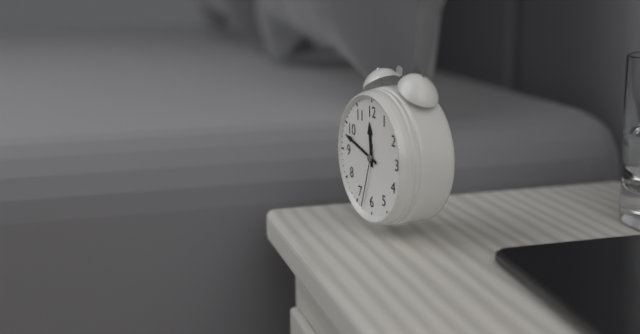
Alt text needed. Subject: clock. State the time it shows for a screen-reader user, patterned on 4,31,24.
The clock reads 11,48,33
